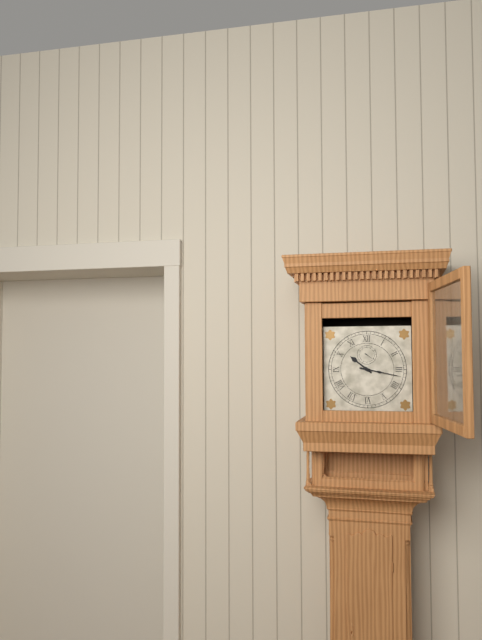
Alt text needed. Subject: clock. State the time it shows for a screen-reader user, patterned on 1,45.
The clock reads 10,17
